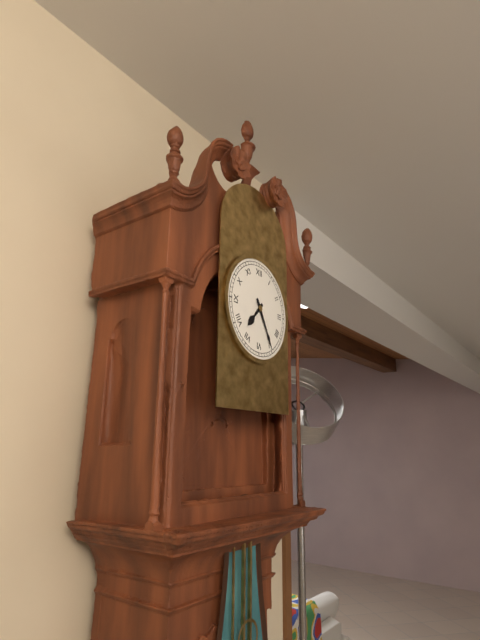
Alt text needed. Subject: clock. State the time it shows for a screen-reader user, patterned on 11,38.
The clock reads 7,25
